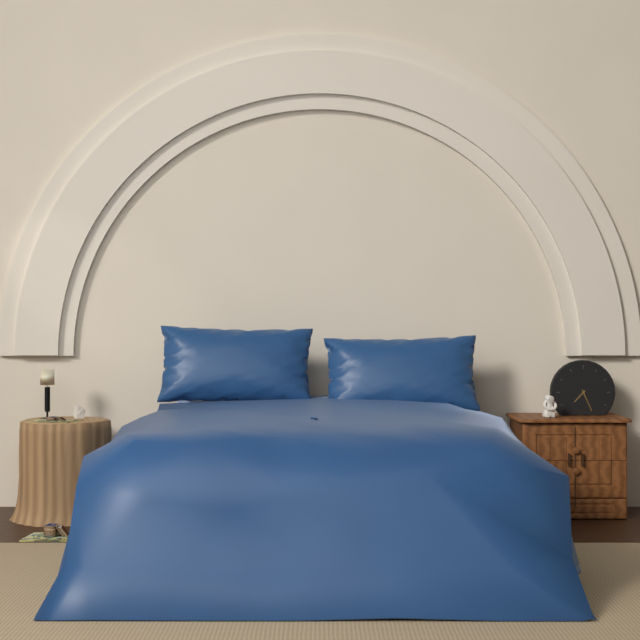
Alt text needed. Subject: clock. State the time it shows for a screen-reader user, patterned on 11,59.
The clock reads 7,26
